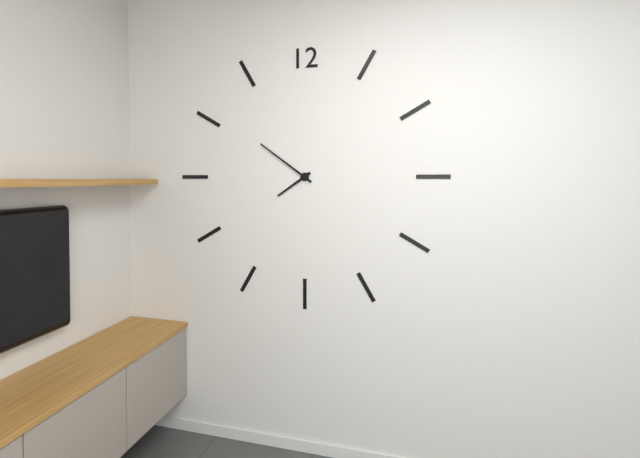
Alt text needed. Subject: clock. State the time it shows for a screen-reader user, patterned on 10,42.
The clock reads 7,51
